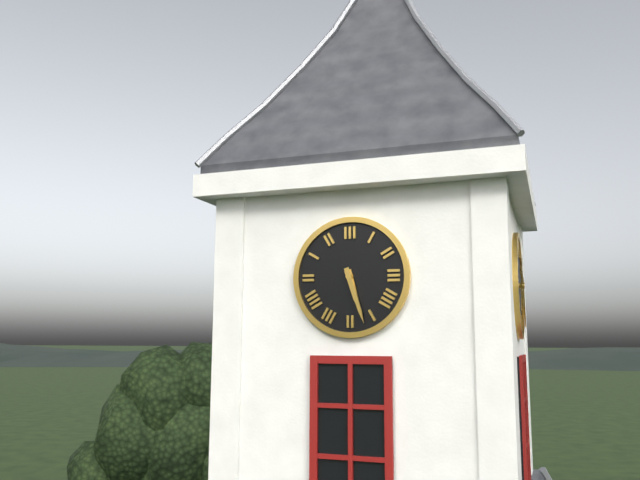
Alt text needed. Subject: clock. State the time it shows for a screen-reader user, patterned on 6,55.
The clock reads 5,27
